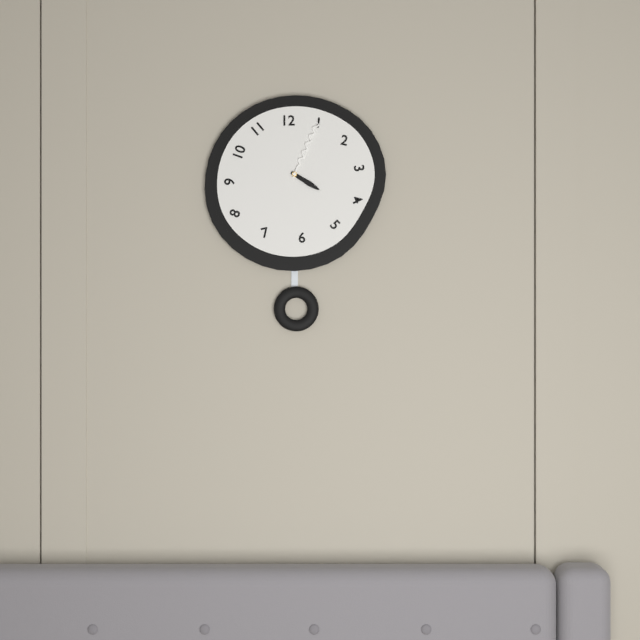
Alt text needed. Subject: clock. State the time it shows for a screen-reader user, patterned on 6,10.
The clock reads 4,04
